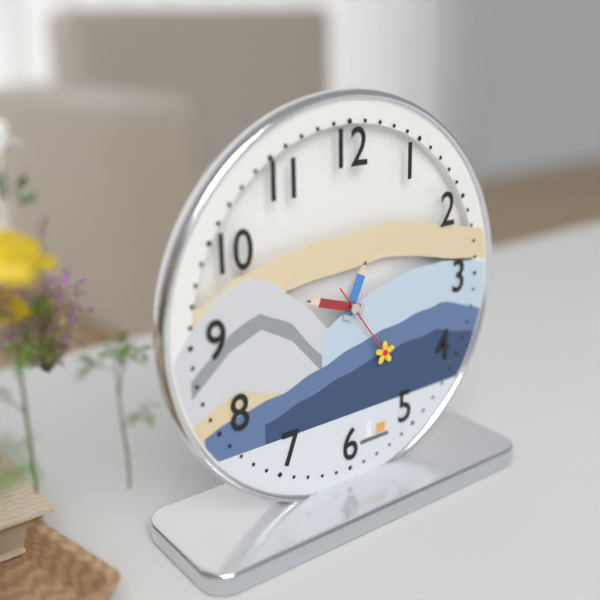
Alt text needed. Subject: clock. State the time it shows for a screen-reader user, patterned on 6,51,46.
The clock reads 12,48,24
